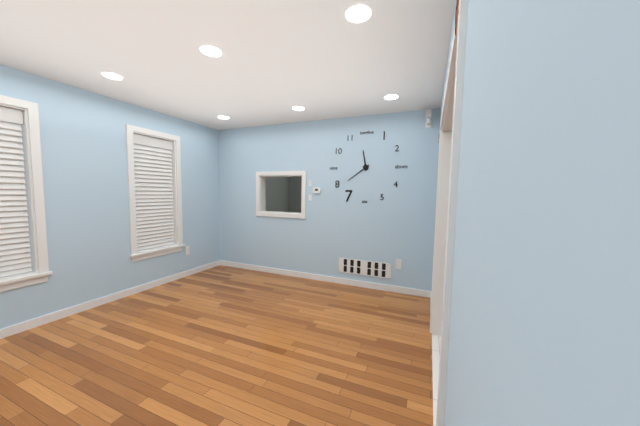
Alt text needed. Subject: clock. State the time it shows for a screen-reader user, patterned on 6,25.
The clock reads 11,39
